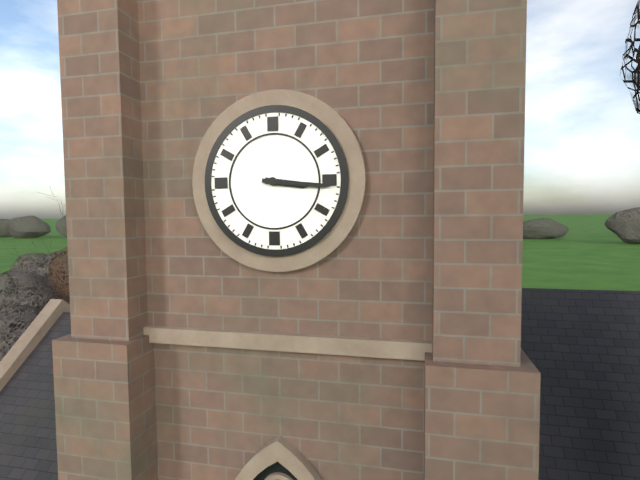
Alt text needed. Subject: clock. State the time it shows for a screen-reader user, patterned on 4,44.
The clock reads 3,16
